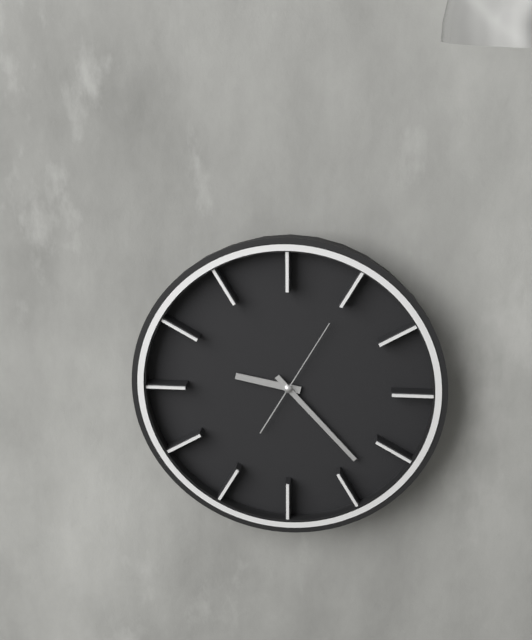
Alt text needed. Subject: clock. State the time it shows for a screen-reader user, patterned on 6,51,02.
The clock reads 9,23,05
